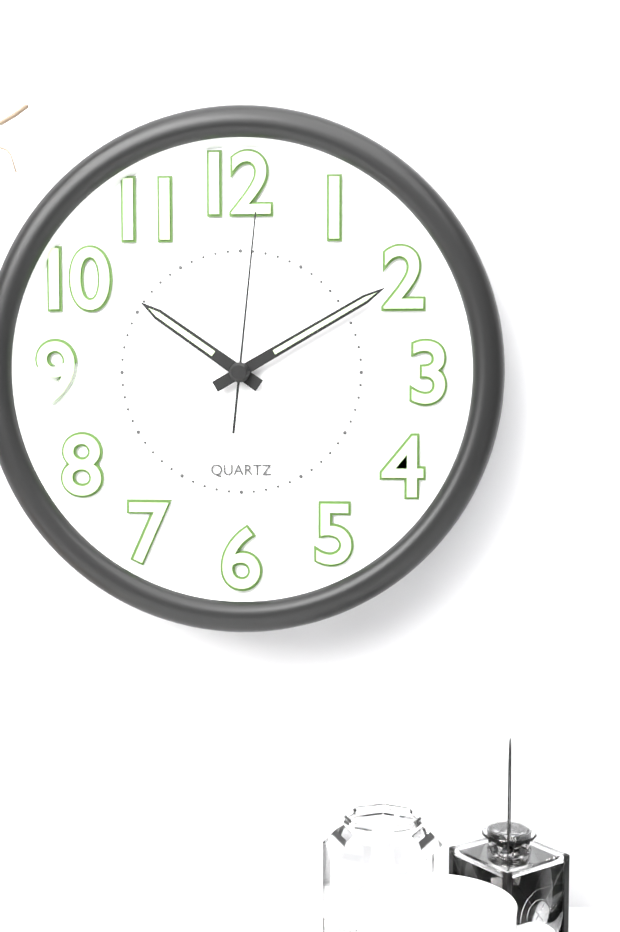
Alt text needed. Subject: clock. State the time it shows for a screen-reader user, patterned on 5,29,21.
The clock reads 10,10,01
